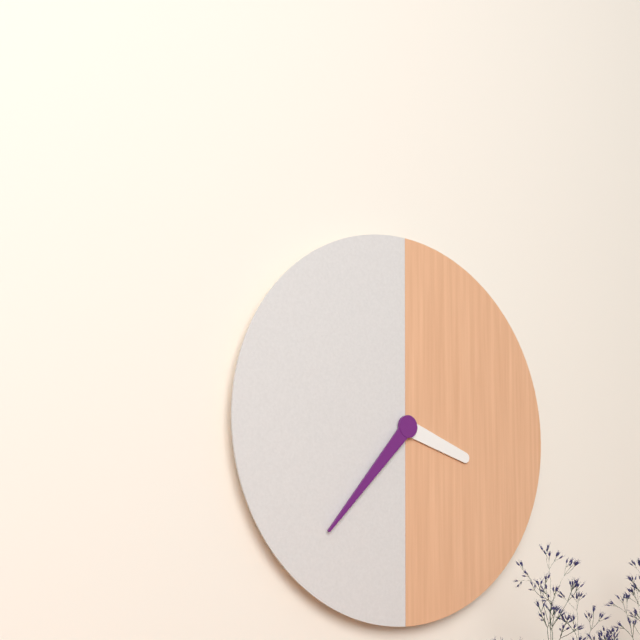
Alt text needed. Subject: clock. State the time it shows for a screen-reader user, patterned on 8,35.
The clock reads 3,37
